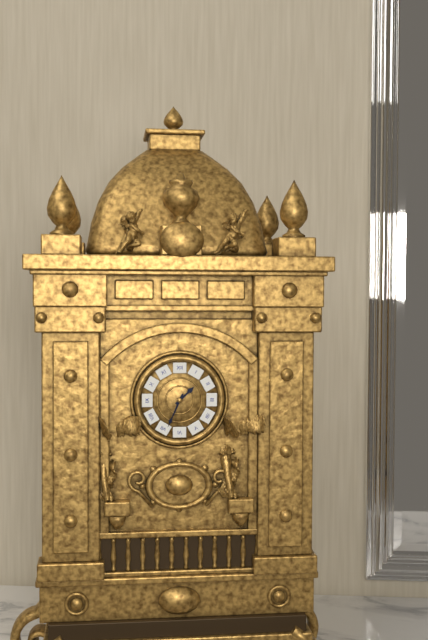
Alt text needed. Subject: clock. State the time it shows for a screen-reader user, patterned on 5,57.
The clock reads 1,34
